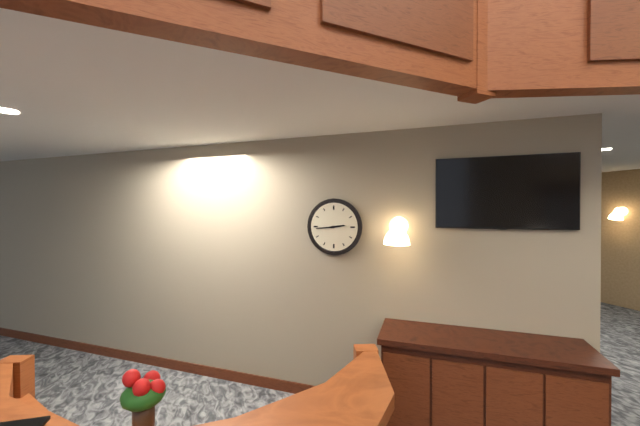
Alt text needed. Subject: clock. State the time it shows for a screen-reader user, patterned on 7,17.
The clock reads 2,44
